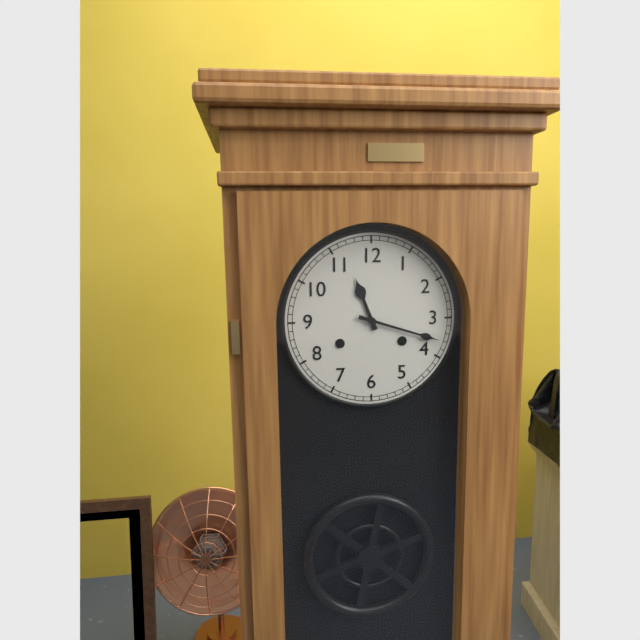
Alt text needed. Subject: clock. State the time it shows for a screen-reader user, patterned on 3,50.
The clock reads 11,18
